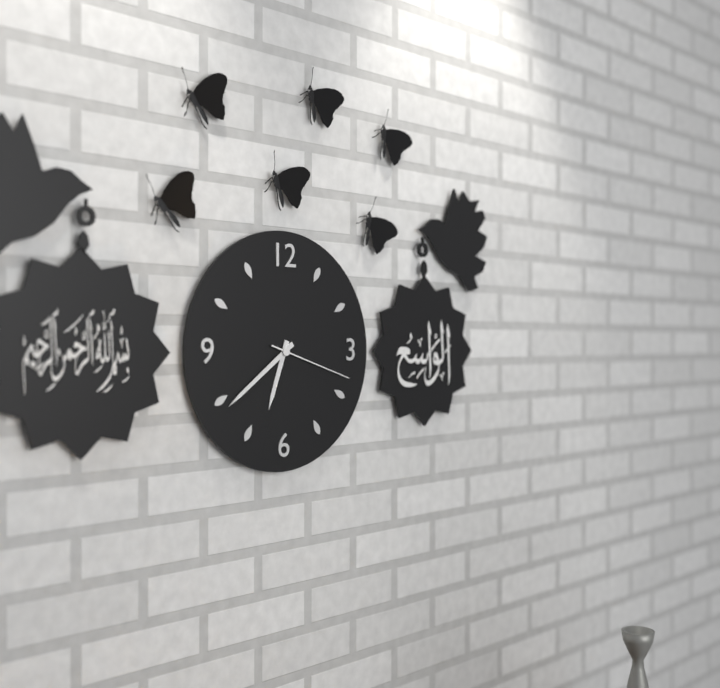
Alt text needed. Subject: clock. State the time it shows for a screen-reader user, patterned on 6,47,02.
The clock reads 6,39,18
